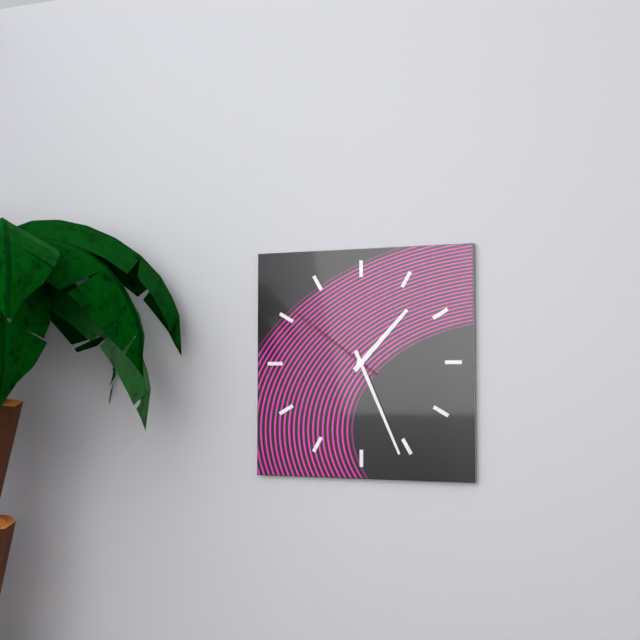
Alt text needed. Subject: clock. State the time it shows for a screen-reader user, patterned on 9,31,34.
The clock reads 1,26,51
